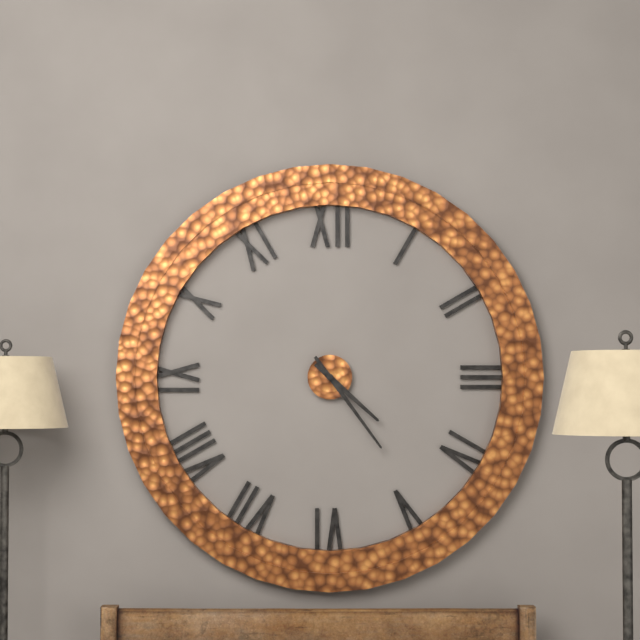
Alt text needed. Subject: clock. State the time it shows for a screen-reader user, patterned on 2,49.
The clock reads 4,24
